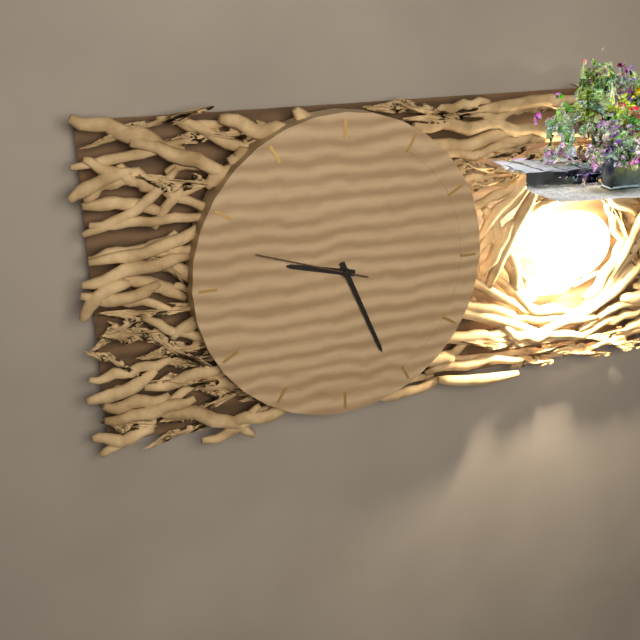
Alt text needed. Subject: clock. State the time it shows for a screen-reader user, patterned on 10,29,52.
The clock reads 9,26,48
